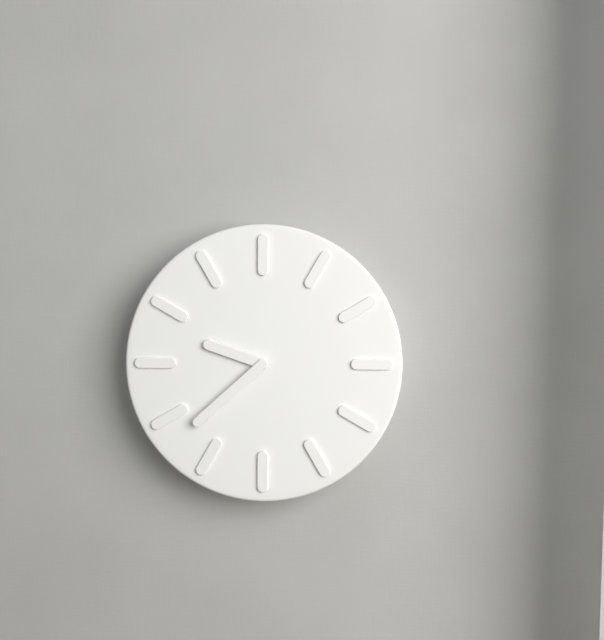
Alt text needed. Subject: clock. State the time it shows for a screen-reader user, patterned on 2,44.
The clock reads 9,38
